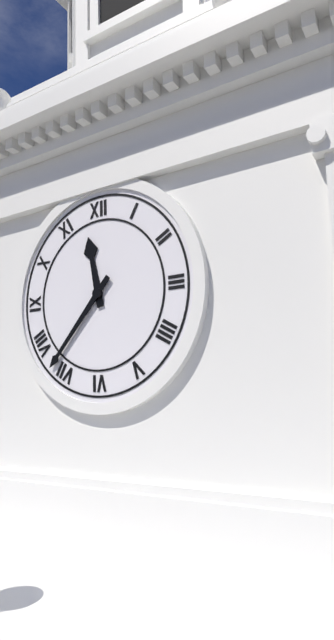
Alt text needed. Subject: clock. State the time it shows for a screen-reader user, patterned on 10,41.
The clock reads 11,37
